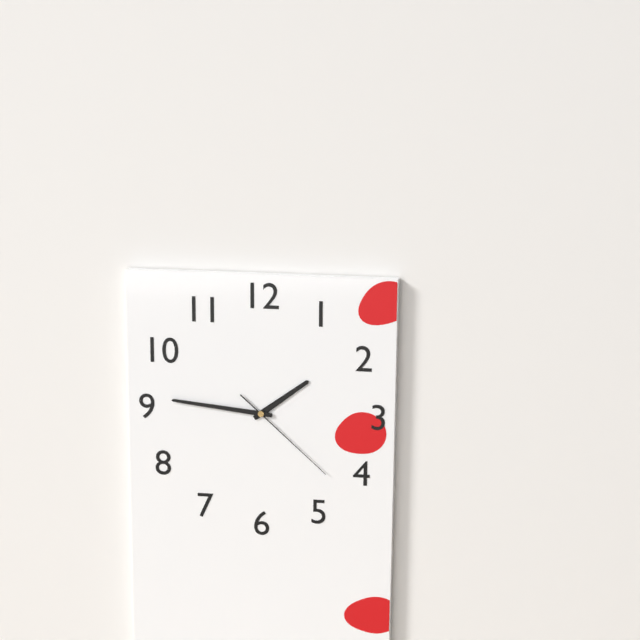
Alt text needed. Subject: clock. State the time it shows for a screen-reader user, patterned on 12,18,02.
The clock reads 1,46,22
